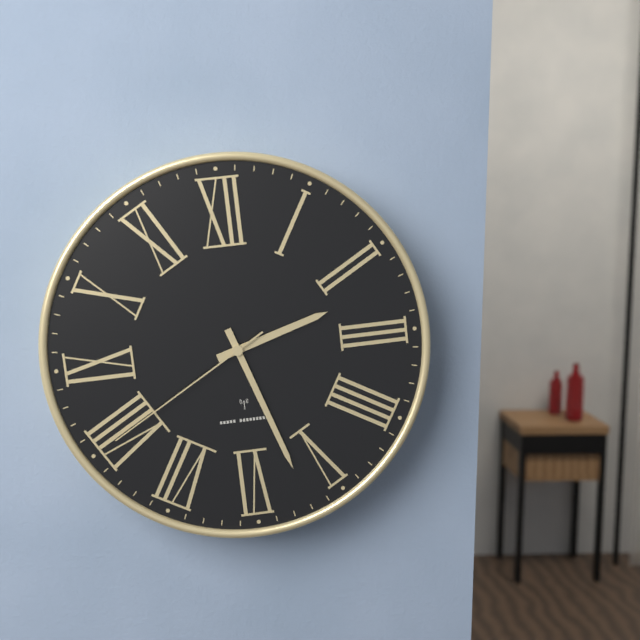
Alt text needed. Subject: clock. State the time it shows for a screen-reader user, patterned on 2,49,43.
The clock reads 2,27,40
